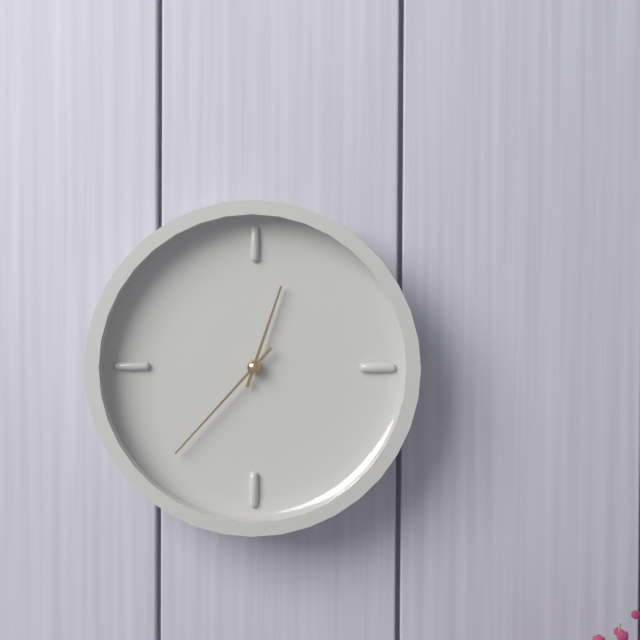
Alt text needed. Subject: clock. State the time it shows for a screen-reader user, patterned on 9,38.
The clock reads 12,37
